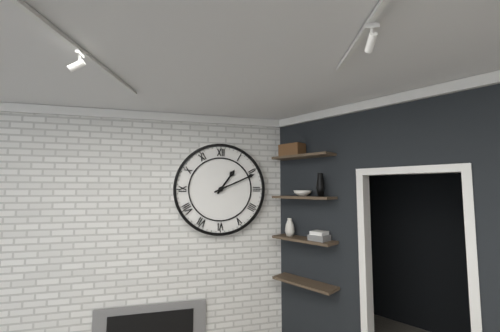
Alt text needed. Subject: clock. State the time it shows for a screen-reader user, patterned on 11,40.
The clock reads 1,11
